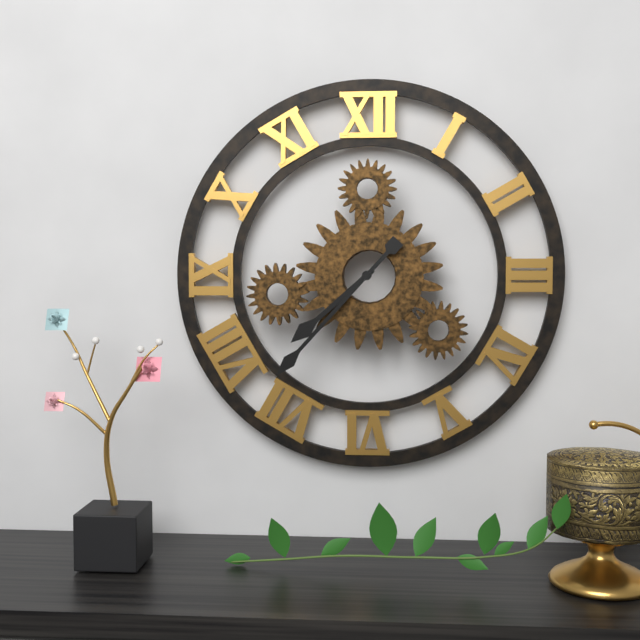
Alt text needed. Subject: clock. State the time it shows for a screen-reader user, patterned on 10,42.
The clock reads 7,37
